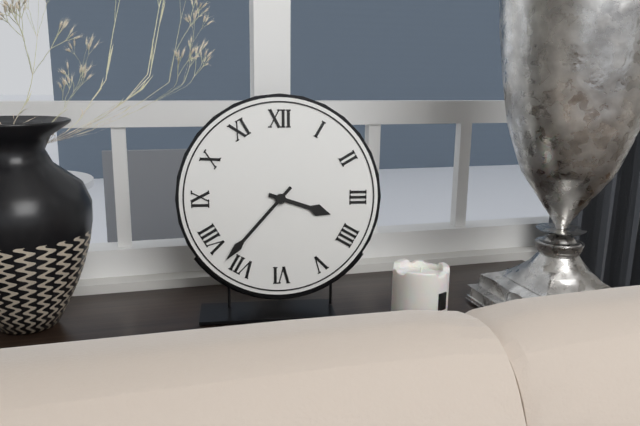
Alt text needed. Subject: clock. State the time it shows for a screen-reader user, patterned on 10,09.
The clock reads 3,37
